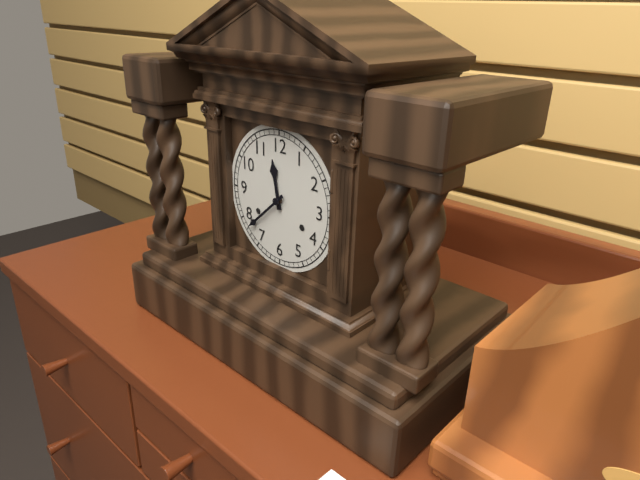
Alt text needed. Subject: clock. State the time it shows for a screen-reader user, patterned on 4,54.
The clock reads 11,38
